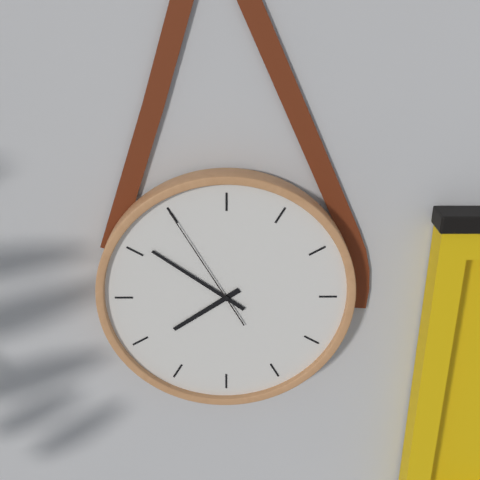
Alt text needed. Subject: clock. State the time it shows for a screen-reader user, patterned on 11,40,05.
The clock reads 7,51,55
